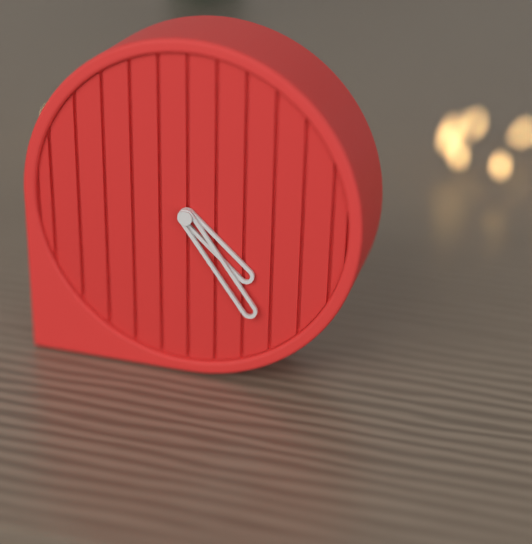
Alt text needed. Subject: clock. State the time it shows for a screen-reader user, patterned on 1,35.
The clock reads 4,24
